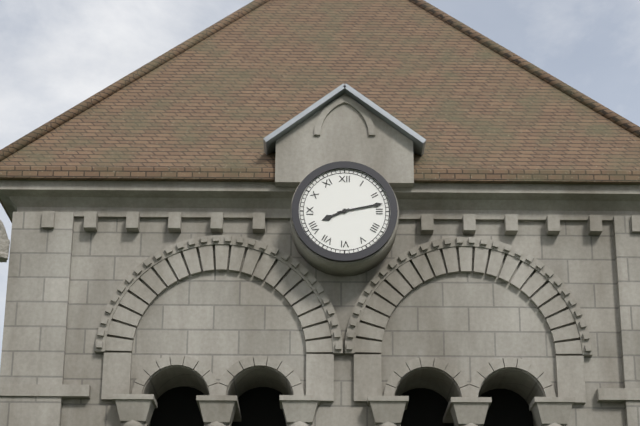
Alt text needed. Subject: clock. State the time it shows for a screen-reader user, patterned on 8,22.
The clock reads 8,13
